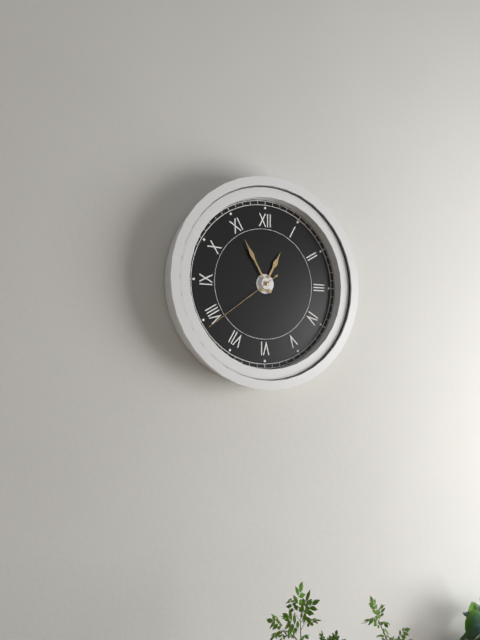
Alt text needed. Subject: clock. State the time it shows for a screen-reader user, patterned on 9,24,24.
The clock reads 12,55,39
